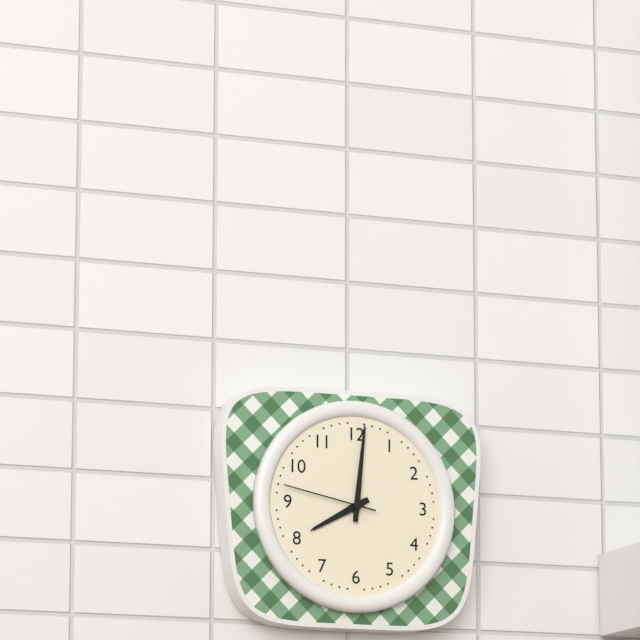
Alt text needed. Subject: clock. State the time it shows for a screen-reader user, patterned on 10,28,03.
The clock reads 8,01,47
